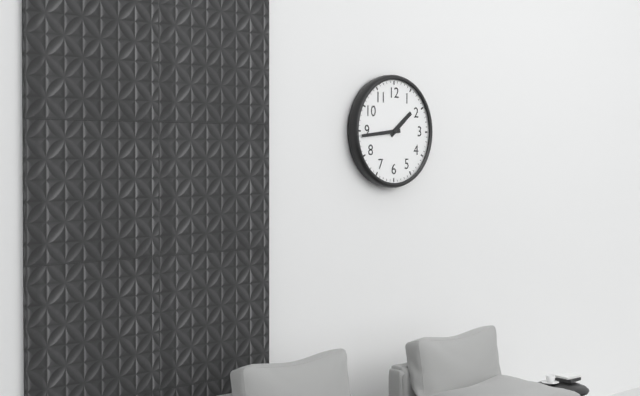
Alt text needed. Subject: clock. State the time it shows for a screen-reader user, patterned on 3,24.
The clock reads 1,44
